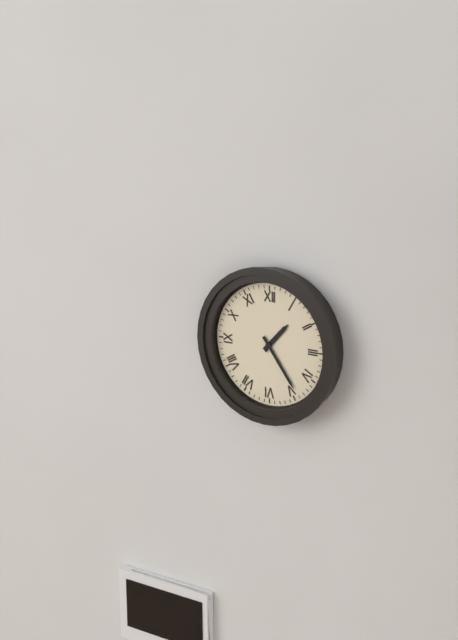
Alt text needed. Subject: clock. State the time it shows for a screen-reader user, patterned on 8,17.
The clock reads 1,24
